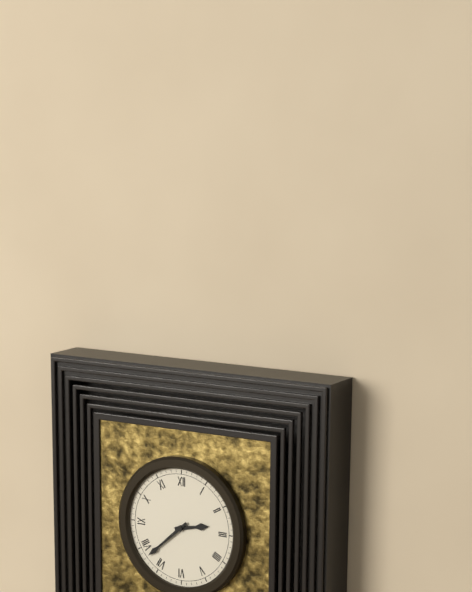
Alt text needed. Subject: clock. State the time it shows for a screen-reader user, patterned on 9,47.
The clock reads 2,38
